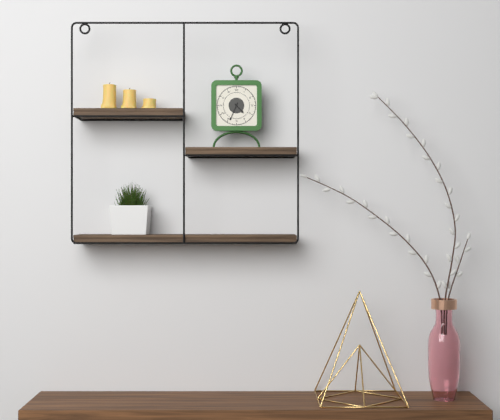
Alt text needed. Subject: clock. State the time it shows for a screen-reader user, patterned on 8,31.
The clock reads 4,34
